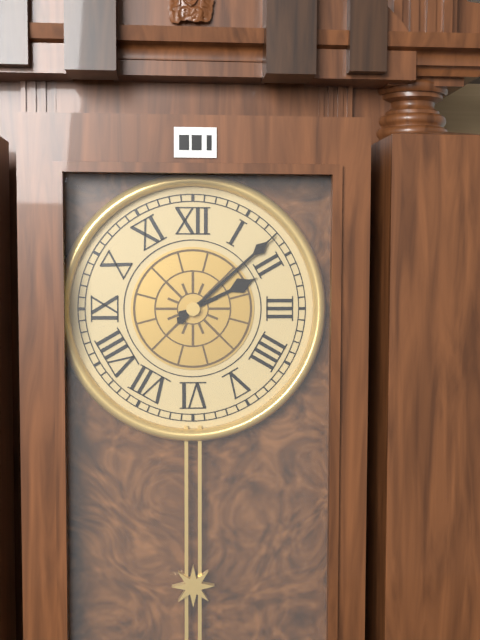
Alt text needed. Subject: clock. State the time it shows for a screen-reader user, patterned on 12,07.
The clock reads 2,08
